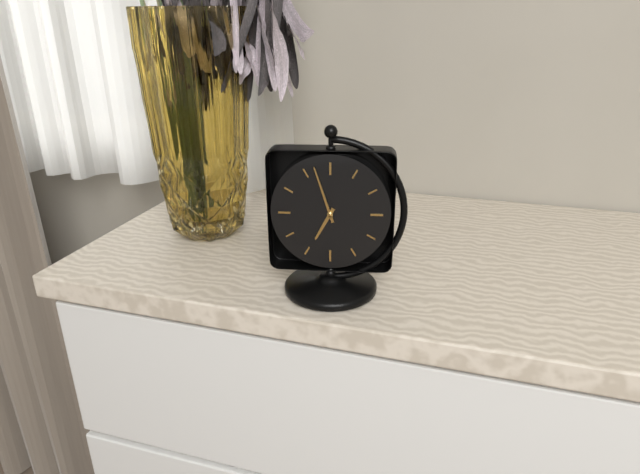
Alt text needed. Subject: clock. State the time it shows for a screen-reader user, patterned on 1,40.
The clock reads 6,57
